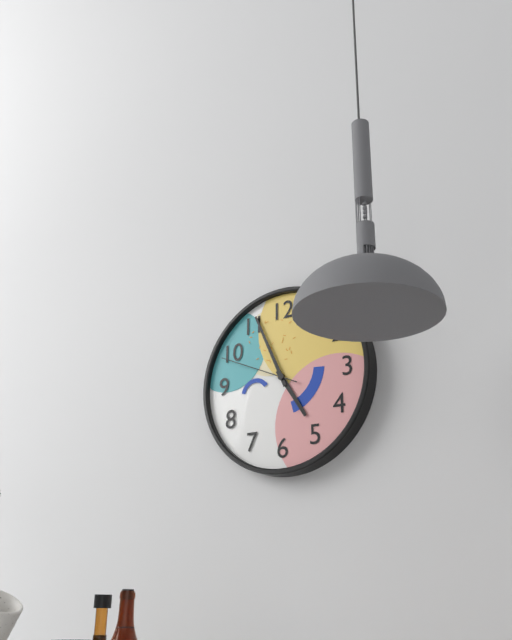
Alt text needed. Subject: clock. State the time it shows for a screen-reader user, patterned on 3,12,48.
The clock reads 4,56,49
